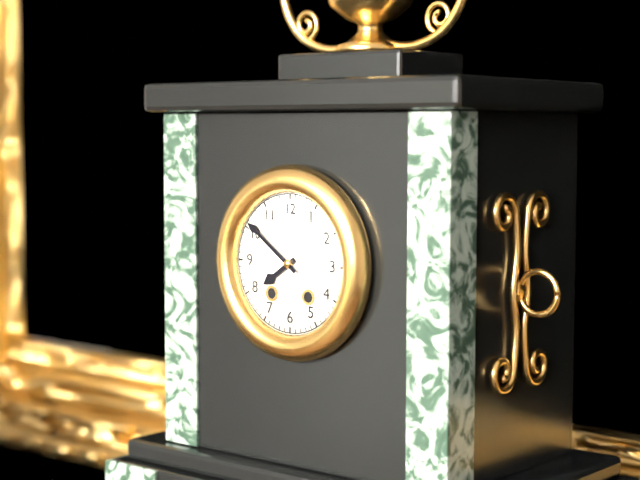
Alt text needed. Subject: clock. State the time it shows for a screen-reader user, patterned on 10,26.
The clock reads 7,51
